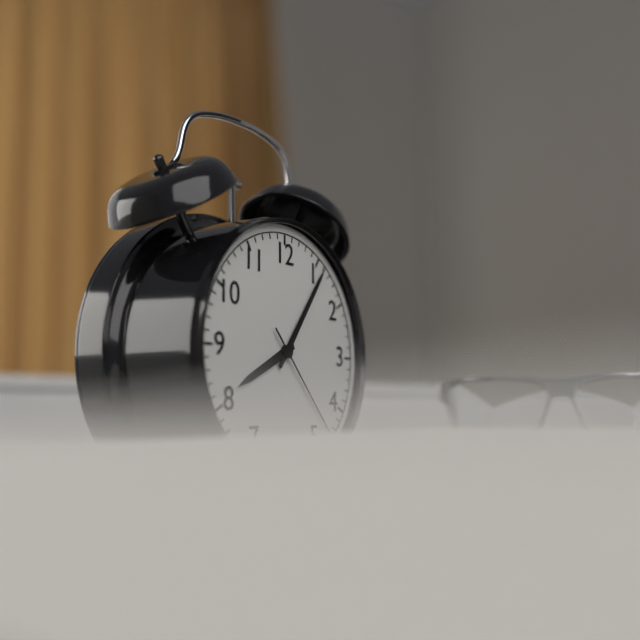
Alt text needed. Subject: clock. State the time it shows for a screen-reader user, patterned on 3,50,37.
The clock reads 8,06,23
